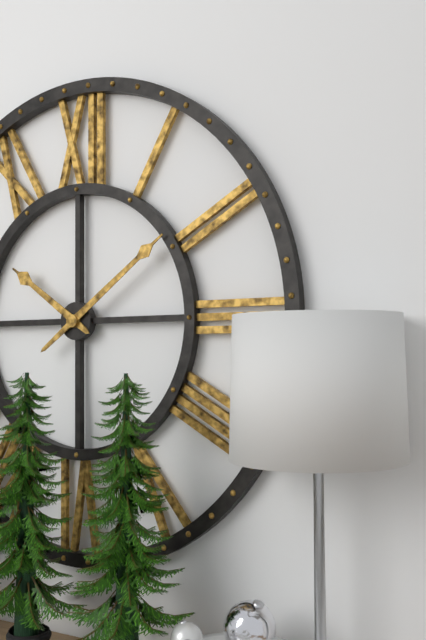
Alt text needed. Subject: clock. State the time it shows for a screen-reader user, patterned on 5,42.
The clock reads 10,09
